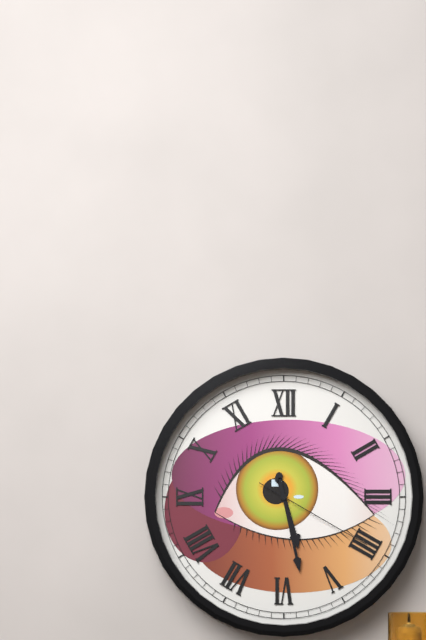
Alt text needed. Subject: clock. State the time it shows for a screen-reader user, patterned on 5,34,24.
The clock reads 5,28,20
